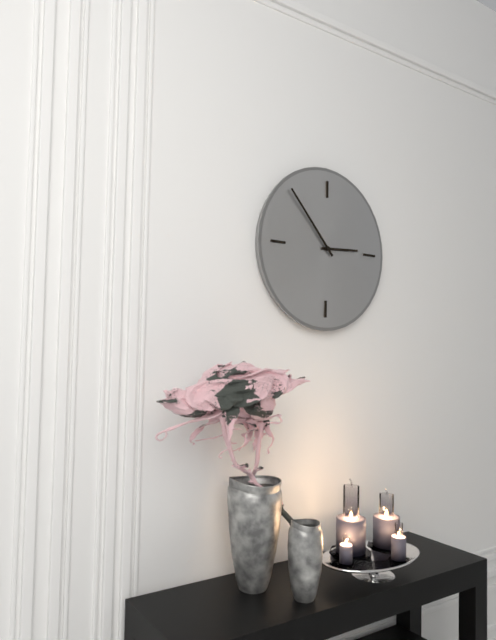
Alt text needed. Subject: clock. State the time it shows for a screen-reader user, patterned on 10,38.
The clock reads 2,53
